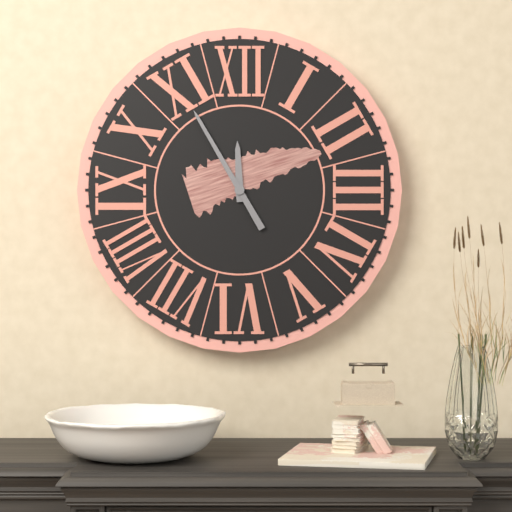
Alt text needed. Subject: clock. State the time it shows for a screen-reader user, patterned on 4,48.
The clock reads 11,55
